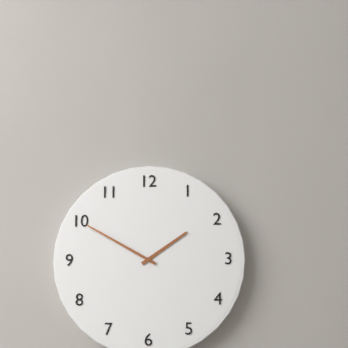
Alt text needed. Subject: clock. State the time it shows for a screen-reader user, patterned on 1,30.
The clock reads 1,50
